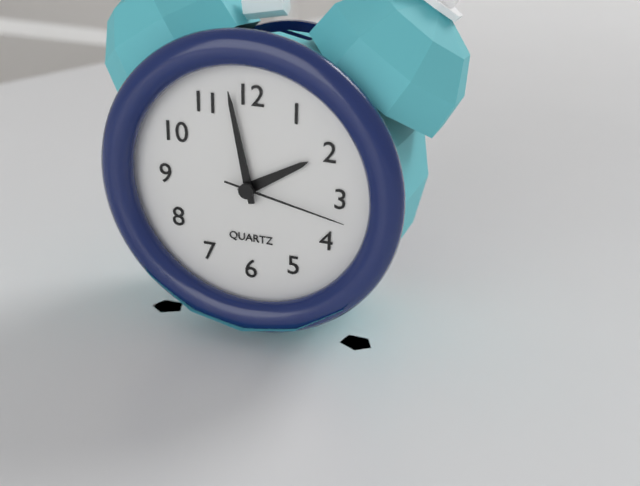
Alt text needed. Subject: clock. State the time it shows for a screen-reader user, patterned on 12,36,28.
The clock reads 1,58,17
